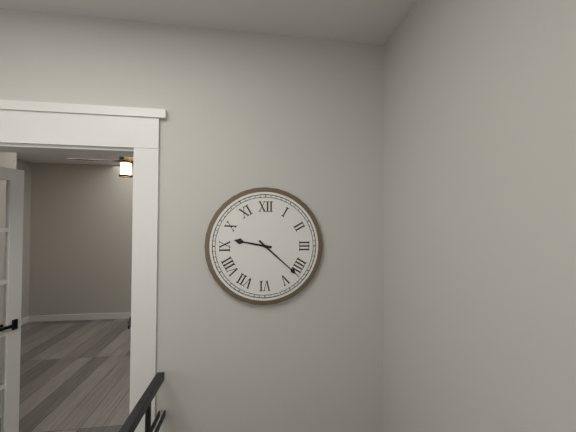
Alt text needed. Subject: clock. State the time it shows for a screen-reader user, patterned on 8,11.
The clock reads 9,22
